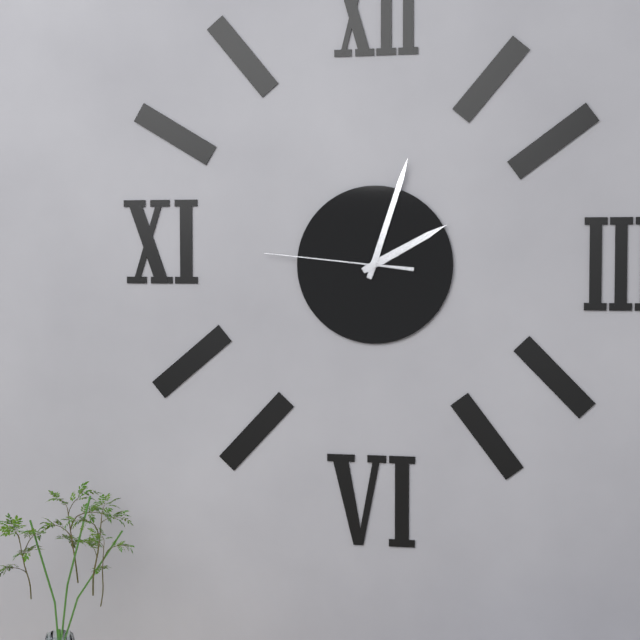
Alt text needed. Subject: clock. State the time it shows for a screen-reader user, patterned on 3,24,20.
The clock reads 2,03,46
